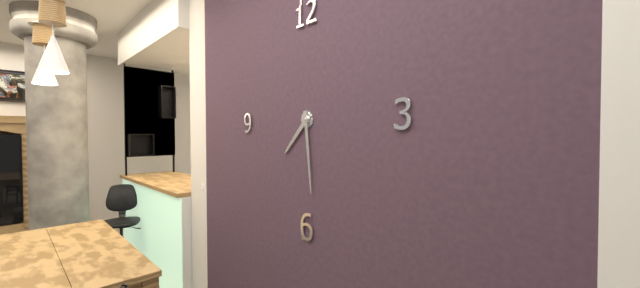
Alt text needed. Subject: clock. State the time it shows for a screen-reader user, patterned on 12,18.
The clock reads 7,29
